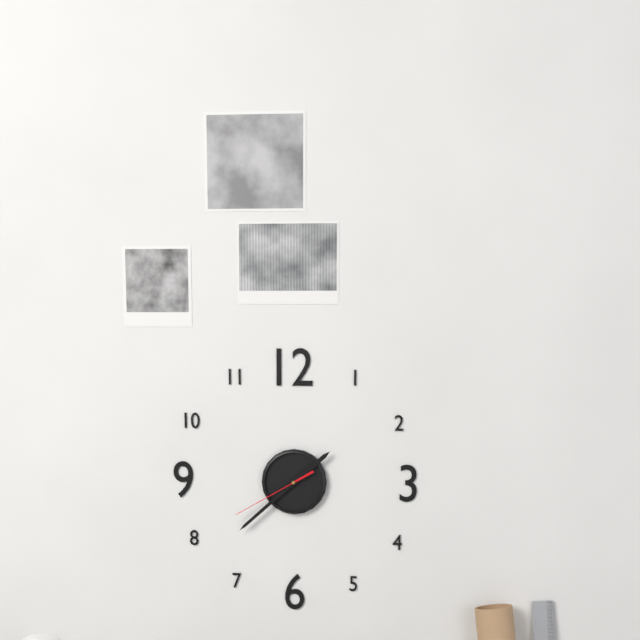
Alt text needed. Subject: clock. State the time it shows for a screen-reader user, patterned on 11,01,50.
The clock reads 1,38,40
